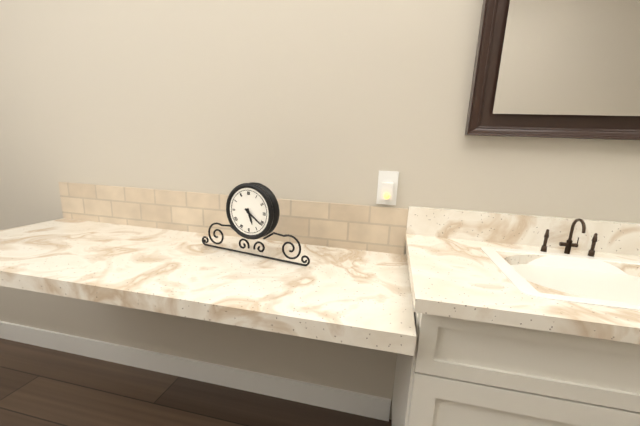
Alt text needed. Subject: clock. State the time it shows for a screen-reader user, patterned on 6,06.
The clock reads 5,21
